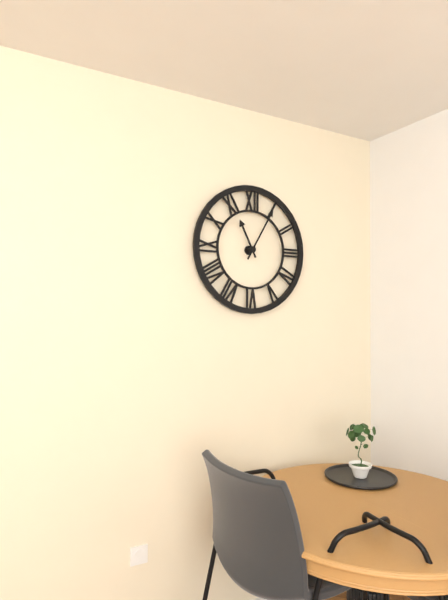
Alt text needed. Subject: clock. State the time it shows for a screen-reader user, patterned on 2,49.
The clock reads 11,05
